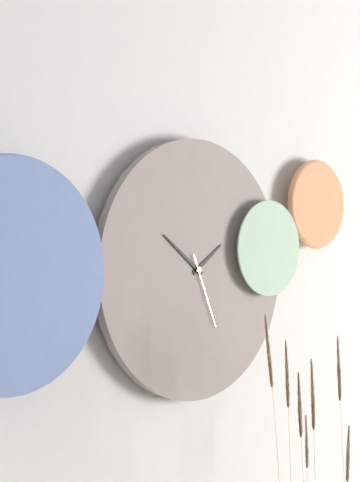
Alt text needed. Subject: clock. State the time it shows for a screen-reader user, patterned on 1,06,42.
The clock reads 1,51,26
